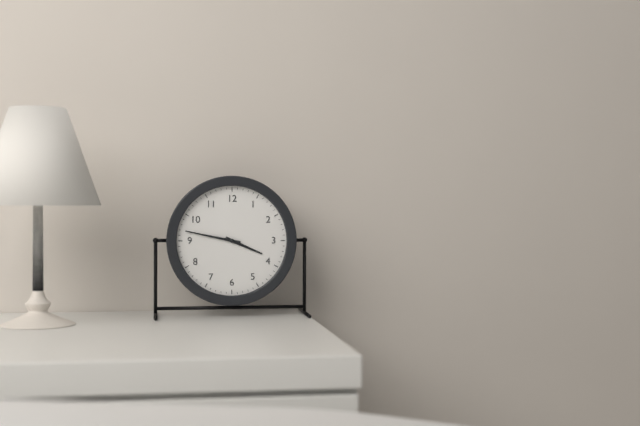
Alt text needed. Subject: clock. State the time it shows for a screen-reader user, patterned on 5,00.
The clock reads 3,47
